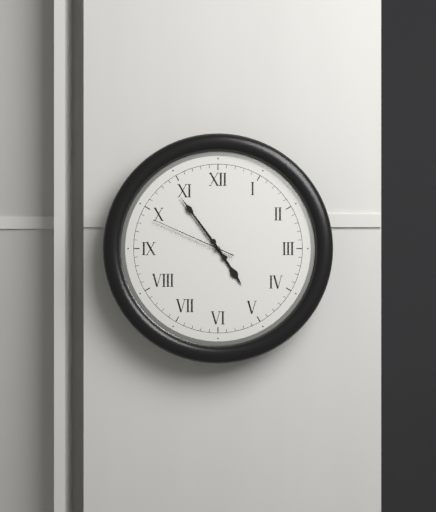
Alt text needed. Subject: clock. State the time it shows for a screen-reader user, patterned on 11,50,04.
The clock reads 4,54,49
